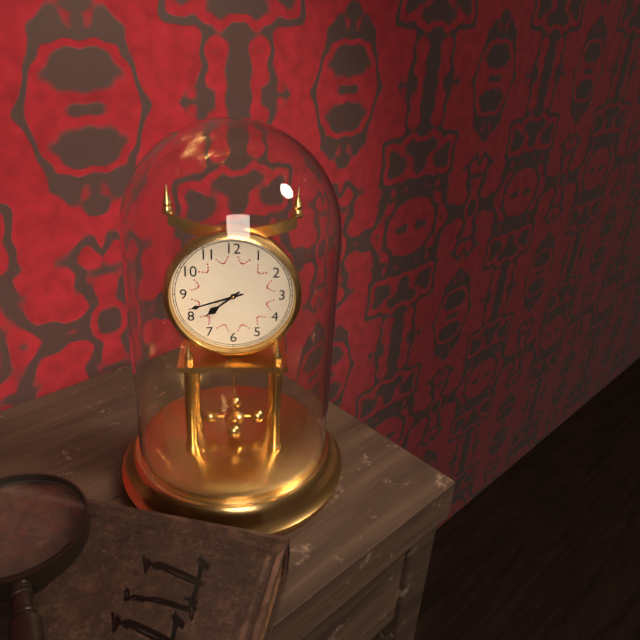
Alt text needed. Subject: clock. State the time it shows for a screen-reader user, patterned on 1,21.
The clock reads 7,42
